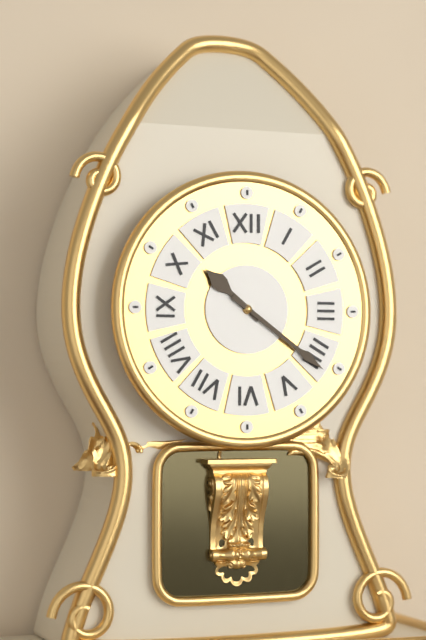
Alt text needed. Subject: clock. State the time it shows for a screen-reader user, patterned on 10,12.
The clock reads 10,21
